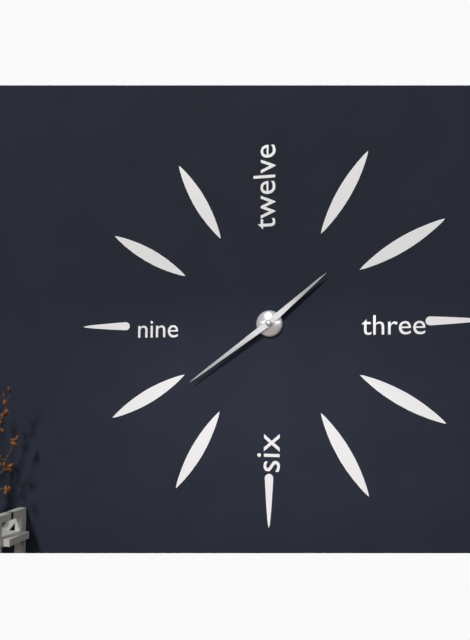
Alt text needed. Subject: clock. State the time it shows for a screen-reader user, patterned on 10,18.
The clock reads 1,39
